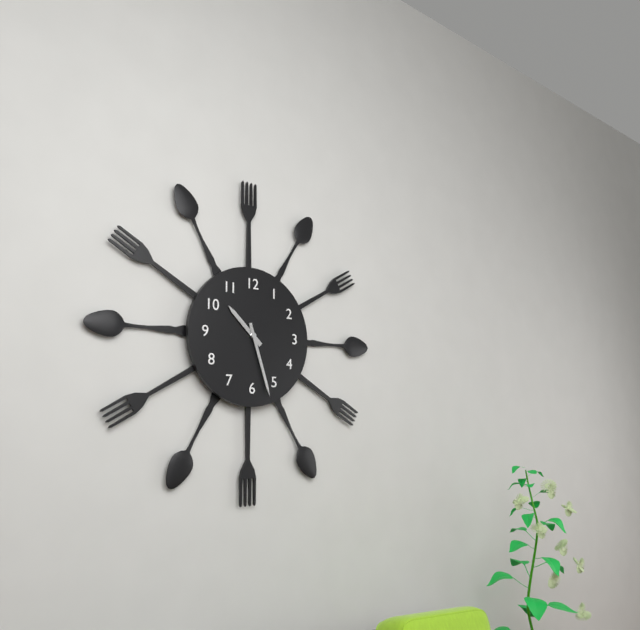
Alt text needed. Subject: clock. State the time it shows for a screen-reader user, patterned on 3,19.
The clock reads 10,27
